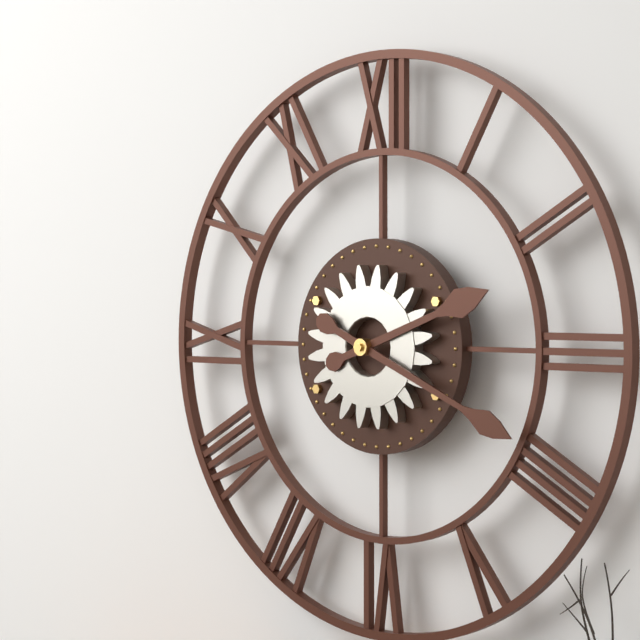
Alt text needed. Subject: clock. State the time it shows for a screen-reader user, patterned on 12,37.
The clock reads 2,19
